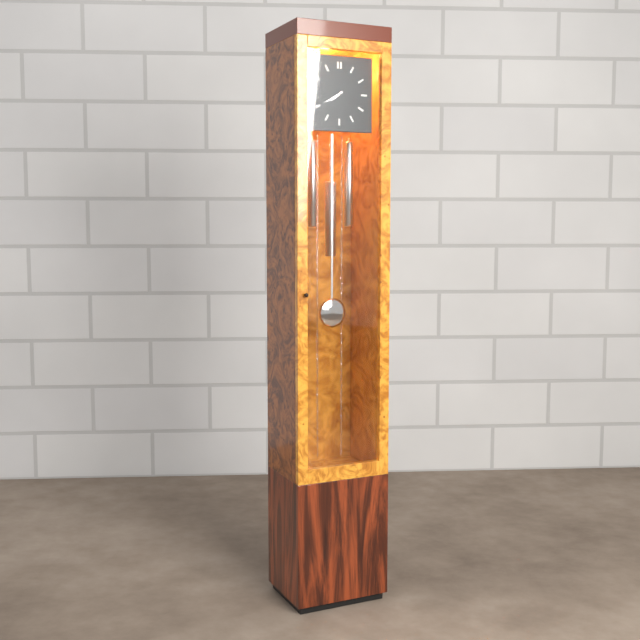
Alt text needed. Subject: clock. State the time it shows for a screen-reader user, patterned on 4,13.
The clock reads 7,40
